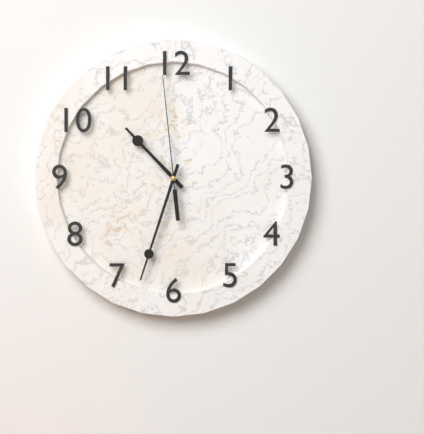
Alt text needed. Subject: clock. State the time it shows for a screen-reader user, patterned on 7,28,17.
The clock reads 10,33,59
